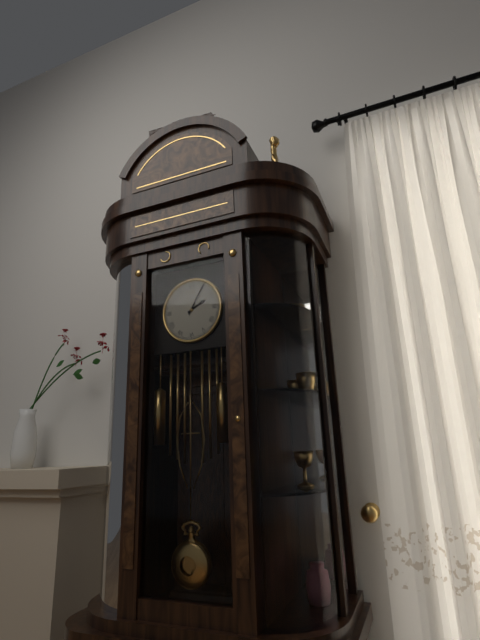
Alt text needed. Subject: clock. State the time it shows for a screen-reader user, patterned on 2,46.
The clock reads 2,05
